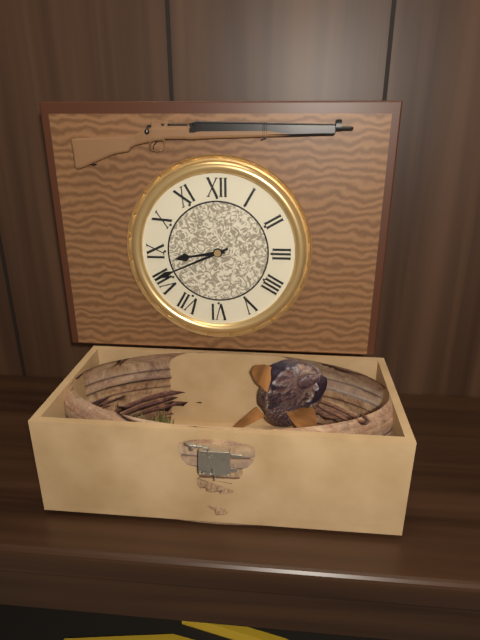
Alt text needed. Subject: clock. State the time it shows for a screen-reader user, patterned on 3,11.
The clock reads 8,41
